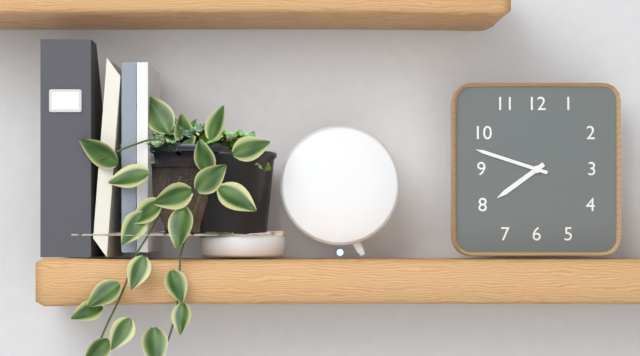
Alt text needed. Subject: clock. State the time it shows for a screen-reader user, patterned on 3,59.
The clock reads 7,48
